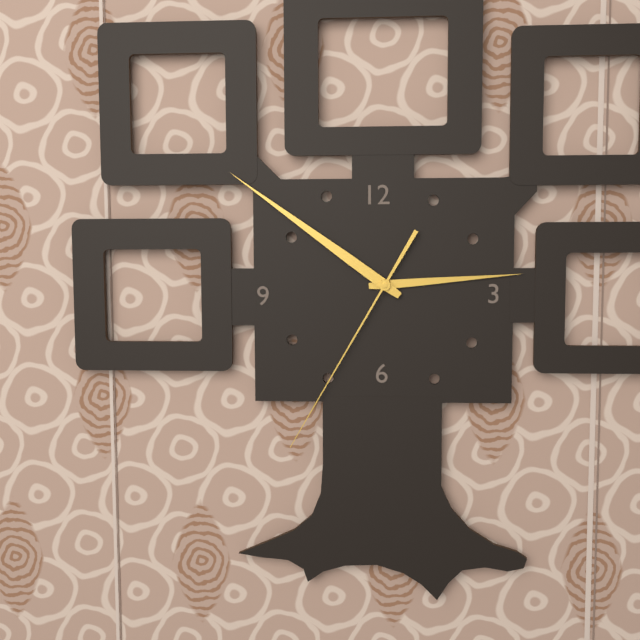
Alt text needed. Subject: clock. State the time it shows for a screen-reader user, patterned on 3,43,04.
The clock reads 2,51,35
